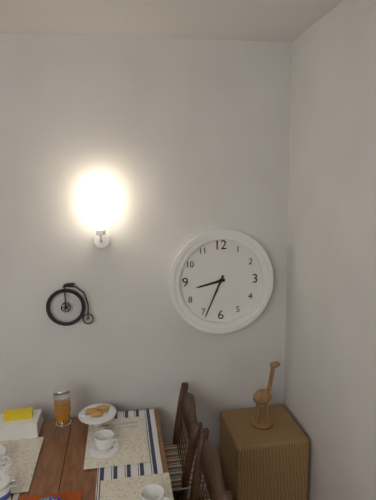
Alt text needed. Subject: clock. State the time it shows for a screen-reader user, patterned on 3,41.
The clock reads 8,34
